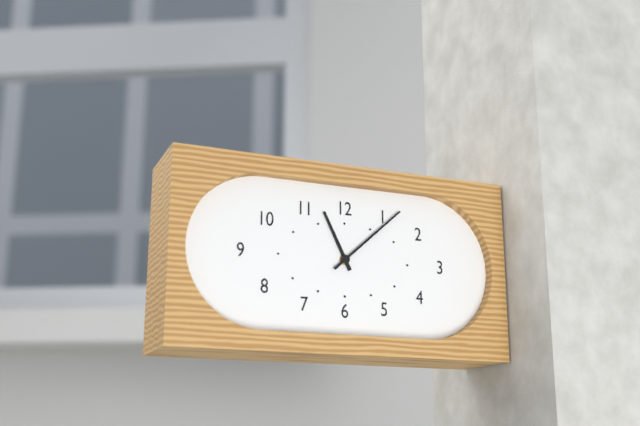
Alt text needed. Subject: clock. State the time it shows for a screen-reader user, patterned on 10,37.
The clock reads 11,08
